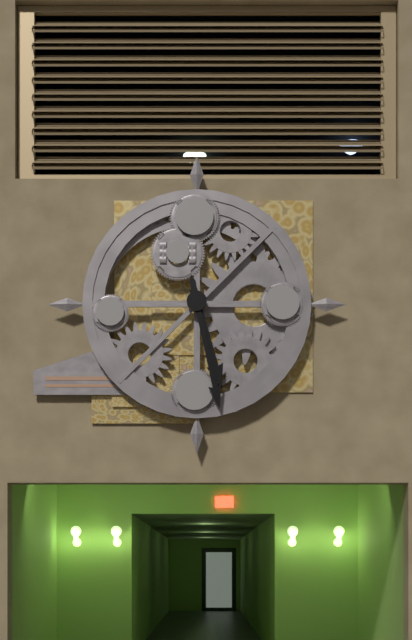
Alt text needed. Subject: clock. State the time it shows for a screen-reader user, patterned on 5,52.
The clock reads 5,28
